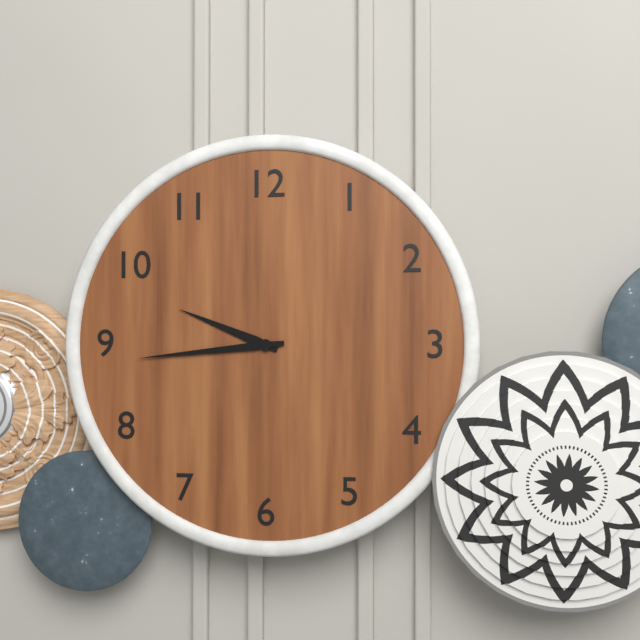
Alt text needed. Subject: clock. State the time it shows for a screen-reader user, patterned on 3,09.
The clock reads 9,44
